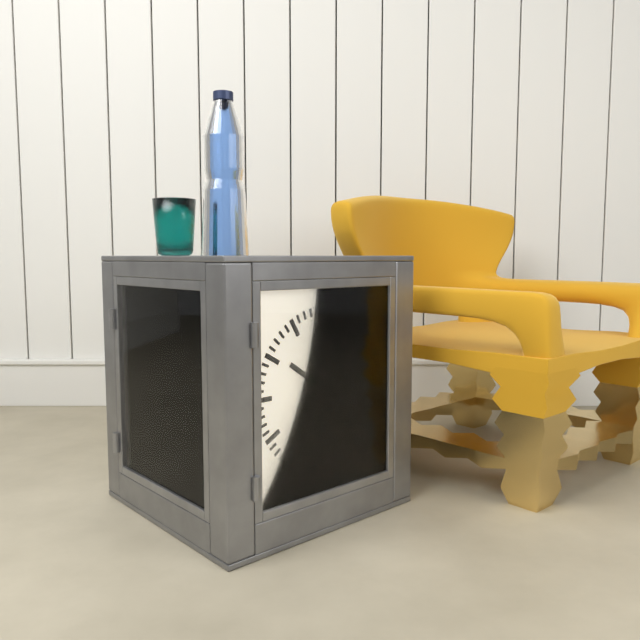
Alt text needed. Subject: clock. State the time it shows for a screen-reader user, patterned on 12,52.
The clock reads 10,09
